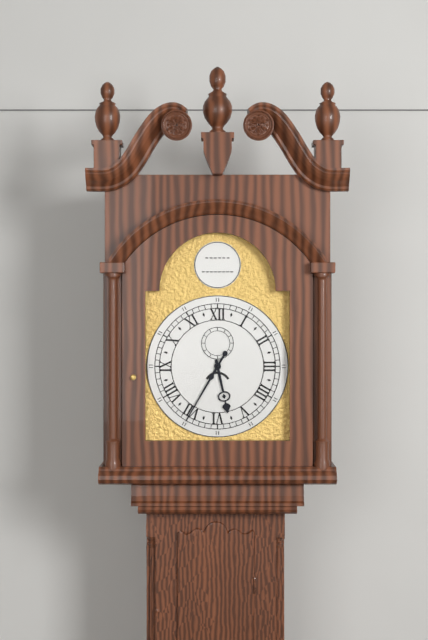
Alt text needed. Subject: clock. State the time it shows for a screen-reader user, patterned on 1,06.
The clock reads 5,35
